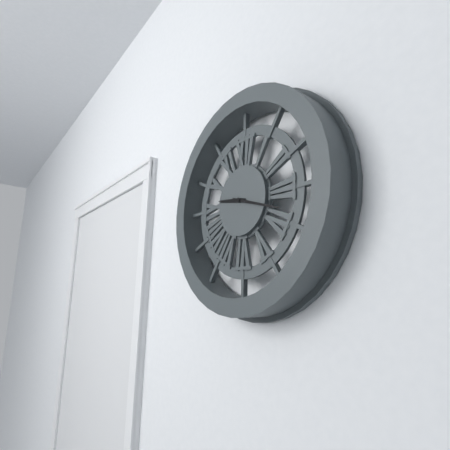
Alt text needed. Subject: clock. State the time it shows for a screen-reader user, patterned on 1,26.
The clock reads 9,18
